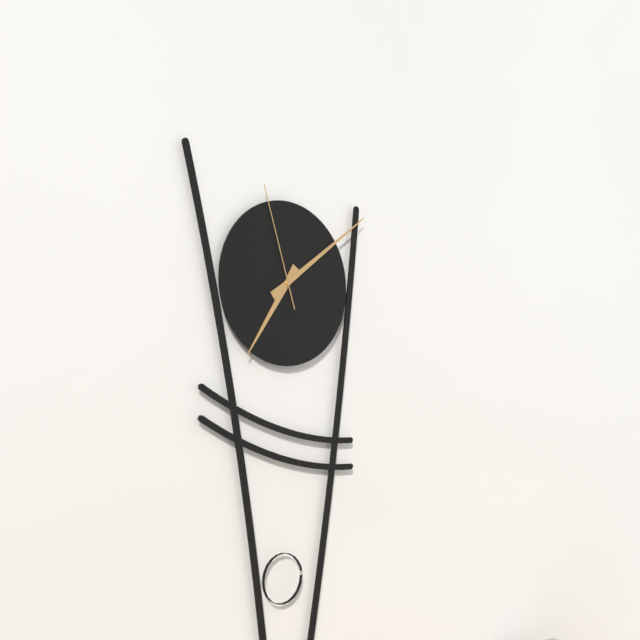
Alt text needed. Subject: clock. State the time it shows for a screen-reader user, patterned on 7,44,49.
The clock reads 7,09,57
